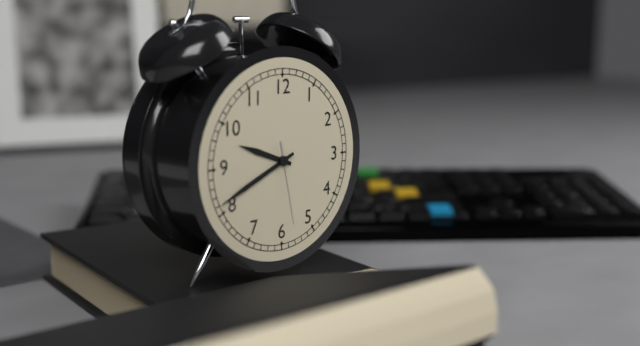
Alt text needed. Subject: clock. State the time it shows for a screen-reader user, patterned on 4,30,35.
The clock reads 9,41,28
